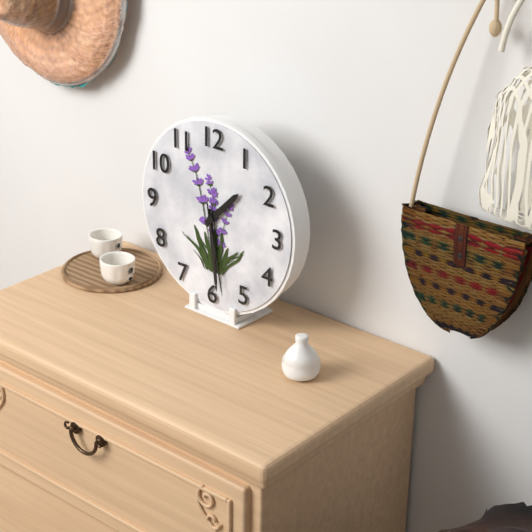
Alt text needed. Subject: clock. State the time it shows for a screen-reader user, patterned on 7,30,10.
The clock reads 1,29,28
